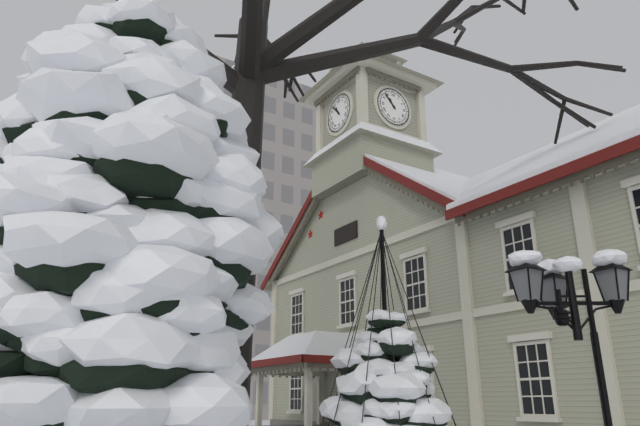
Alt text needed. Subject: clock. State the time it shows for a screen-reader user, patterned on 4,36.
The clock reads 10,53
